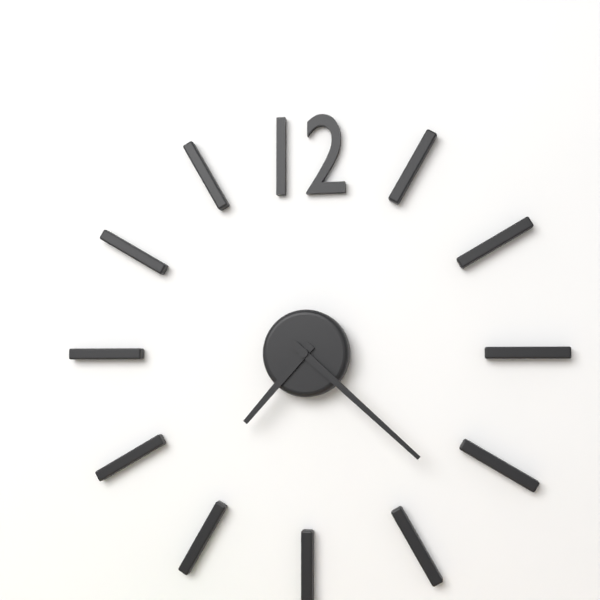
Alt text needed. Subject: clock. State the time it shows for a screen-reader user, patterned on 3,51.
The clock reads 7,22
